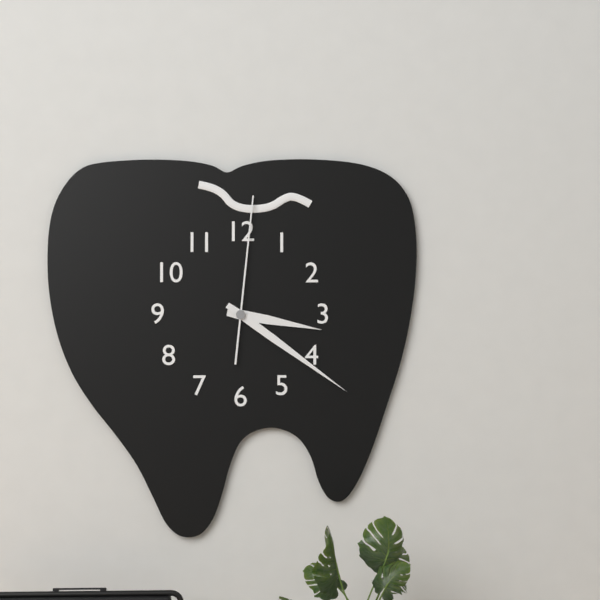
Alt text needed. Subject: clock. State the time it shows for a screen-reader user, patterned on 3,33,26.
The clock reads 3,21,01
